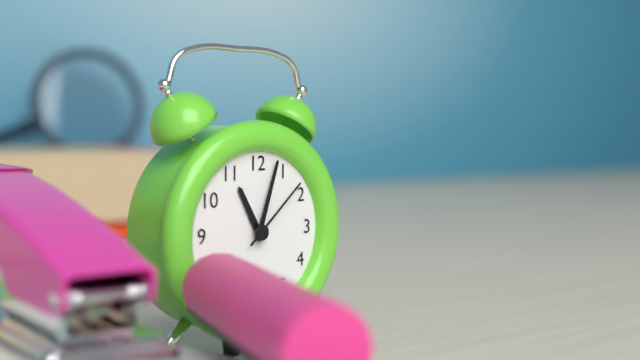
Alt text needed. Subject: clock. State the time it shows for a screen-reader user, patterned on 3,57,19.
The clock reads 11,03,08
